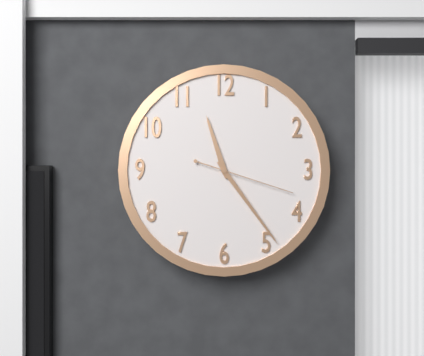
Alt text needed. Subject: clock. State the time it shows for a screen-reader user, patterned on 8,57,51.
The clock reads 11,24,18
